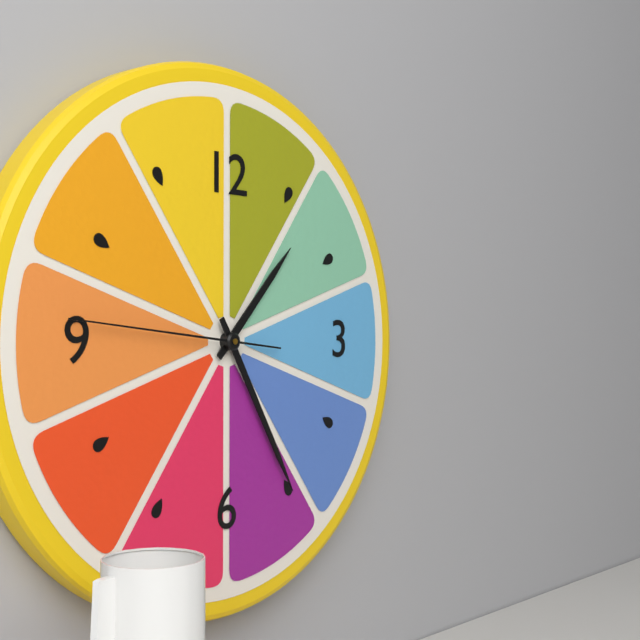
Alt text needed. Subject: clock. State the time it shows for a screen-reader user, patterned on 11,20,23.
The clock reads 1,25,46
